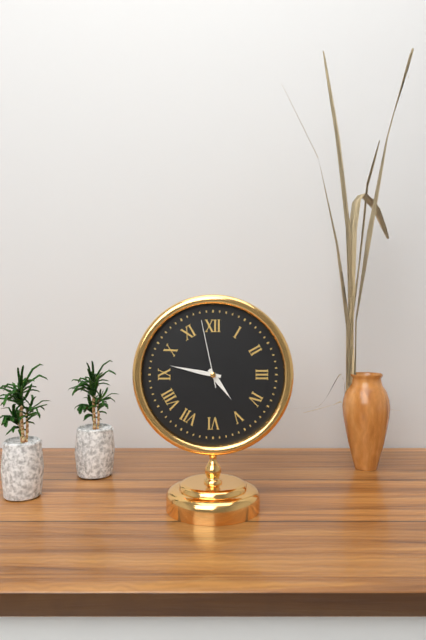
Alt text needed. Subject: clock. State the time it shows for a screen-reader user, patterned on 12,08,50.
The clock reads 4,47,58
